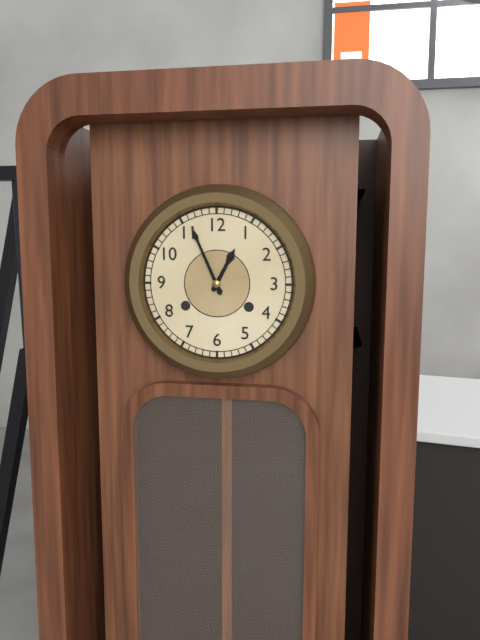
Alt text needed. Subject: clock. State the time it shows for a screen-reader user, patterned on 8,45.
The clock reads 12,56
